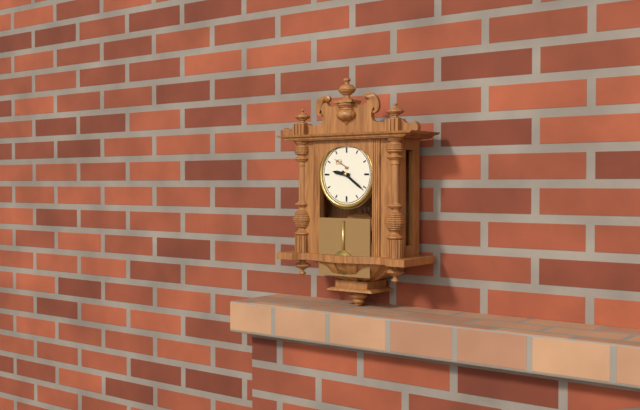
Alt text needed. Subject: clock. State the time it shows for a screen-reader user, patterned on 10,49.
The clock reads 9,21
